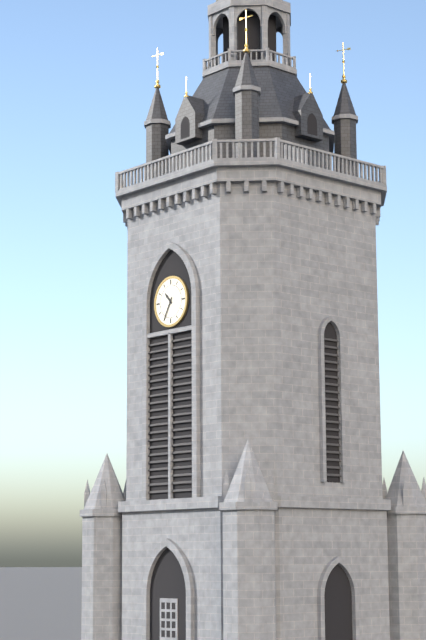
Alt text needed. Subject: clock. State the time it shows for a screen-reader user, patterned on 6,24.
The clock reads 10,35
